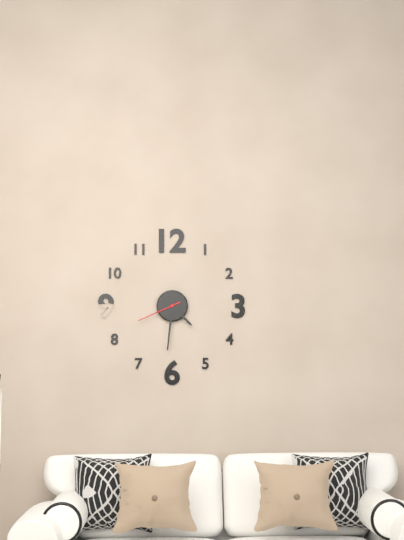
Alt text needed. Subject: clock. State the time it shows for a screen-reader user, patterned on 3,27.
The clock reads 4,31
